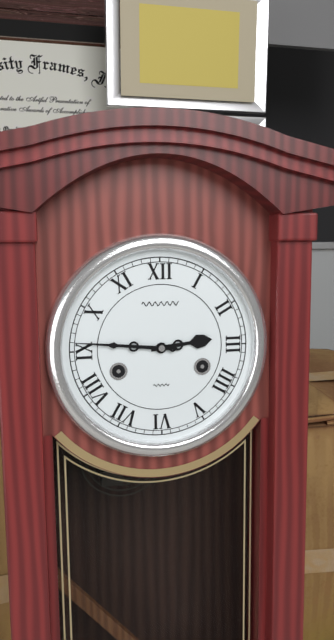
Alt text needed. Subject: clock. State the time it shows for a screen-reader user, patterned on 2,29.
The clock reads 2,46
